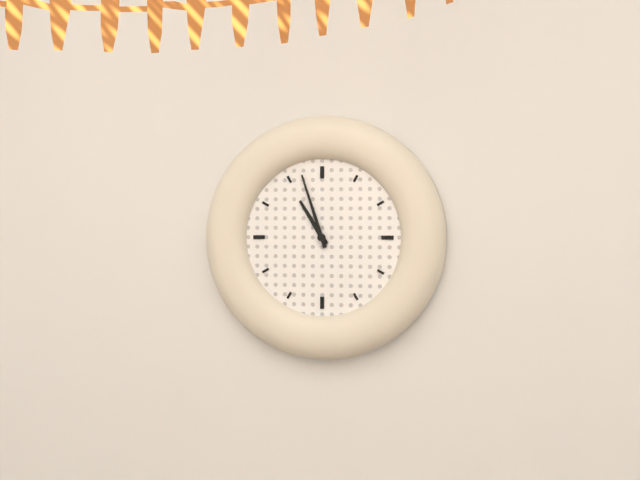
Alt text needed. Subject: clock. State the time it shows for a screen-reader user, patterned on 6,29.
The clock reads 10,57
